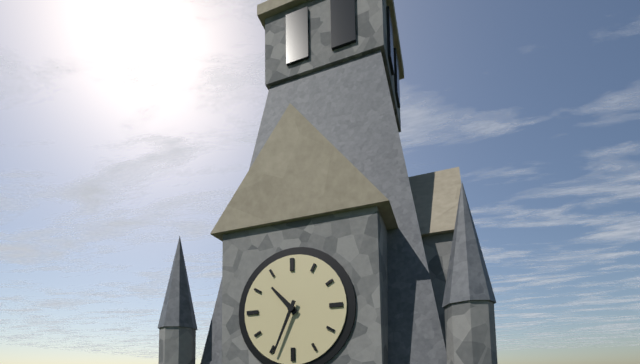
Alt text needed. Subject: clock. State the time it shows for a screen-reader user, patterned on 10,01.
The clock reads 10,34
